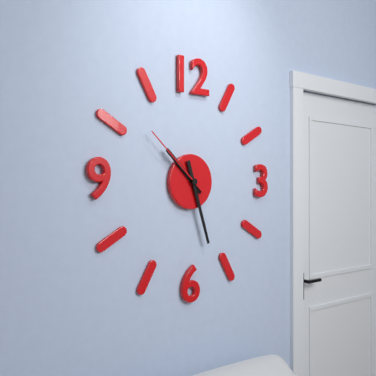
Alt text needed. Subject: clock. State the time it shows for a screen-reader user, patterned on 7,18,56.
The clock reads 10,27,52
